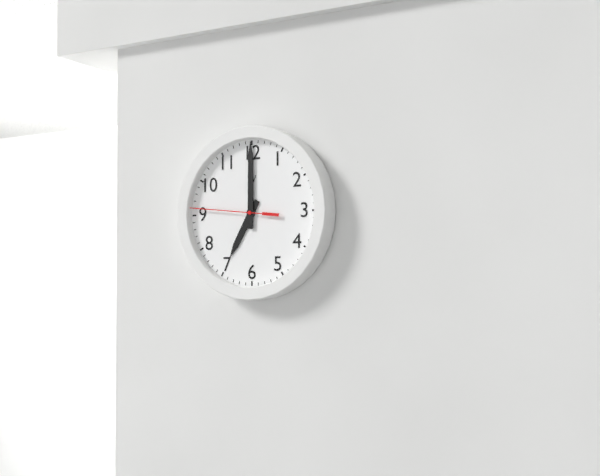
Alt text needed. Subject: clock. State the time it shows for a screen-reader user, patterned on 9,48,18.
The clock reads 7,00,46
